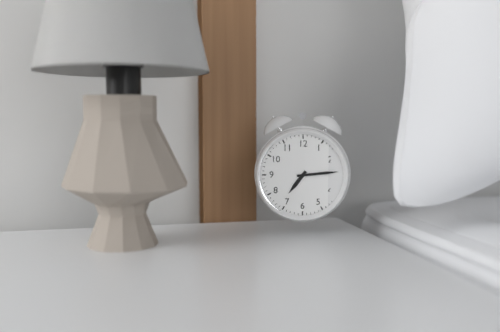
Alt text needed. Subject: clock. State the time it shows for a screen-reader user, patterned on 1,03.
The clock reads 7,14
